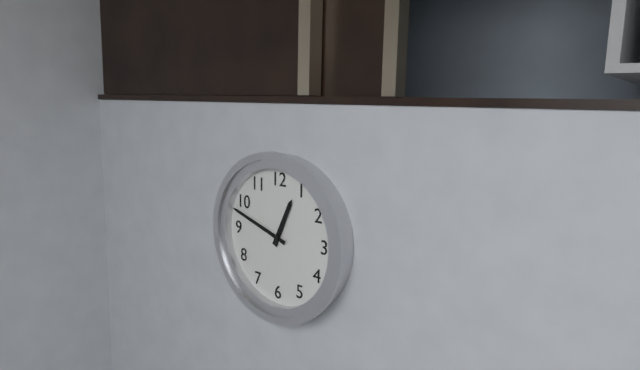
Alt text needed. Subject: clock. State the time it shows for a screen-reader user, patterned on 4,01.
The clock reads 12,48
